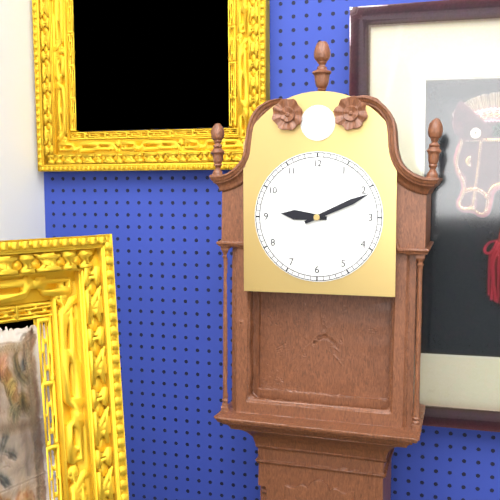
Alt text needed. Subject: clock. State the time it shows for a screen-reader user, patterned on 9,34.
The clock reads 9,11
